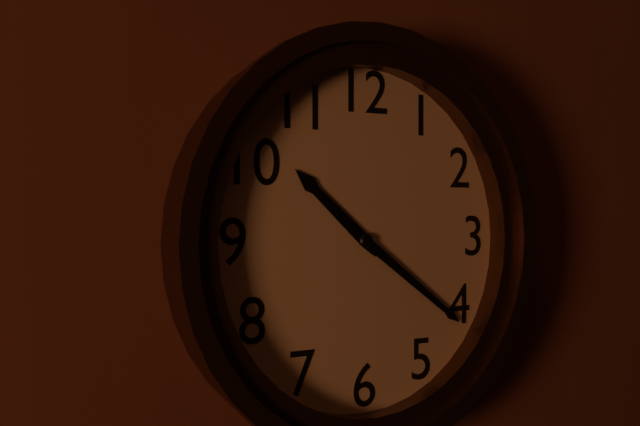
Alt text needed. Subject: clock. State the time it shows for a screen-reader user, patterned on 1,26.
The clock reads 10,21
